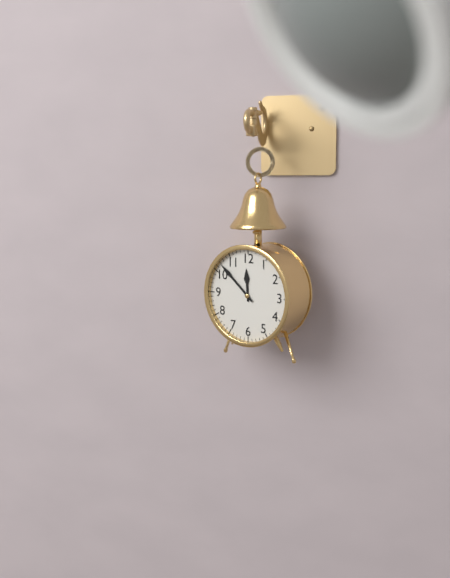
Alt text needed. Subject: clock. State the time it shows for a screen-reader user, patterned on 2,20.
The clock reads 11,52
